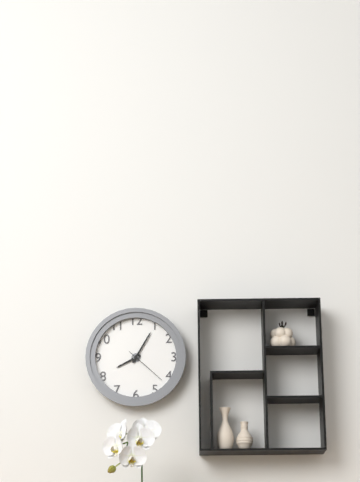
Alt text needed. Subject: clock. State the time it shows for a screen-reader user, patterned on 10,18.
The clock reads 8,05
